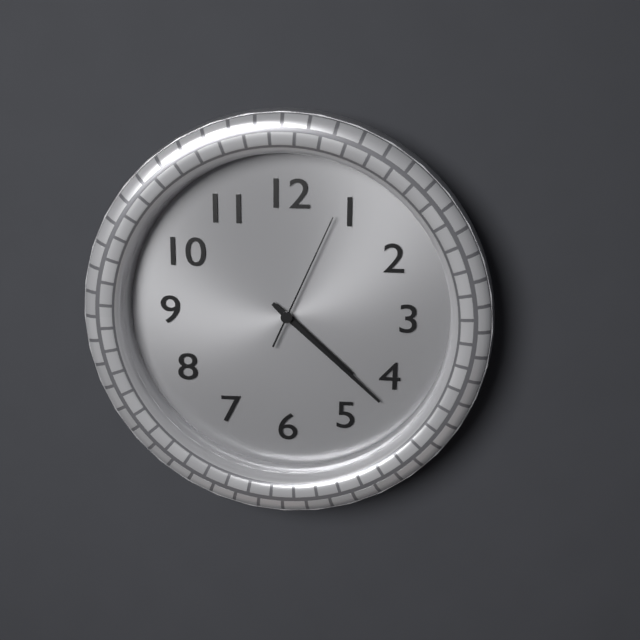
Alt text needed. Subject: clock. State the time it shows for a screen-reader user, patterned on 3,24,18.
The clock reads 4,22,04
